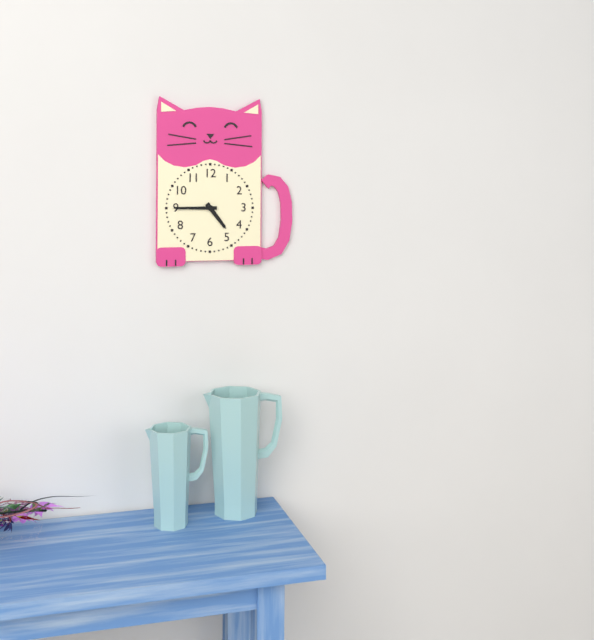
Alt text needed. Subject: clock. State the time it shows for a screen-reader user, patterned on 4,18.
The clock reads 4,45
